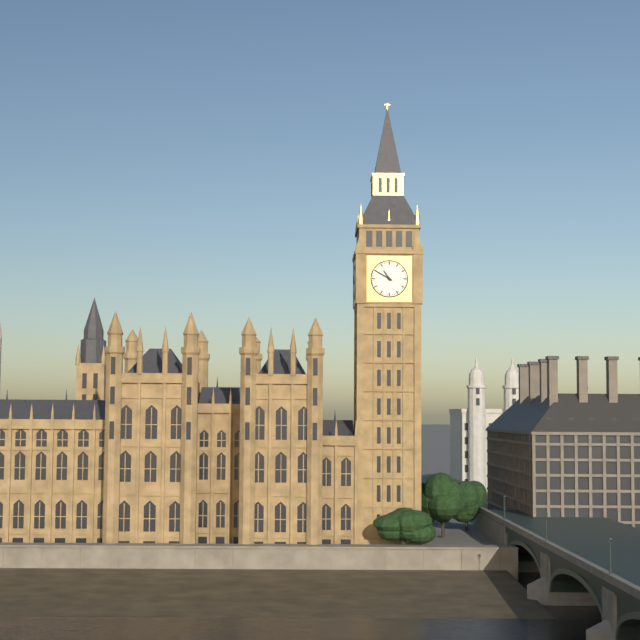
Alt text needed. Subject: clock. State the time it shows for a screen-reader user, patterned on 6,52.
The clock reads 10,50
